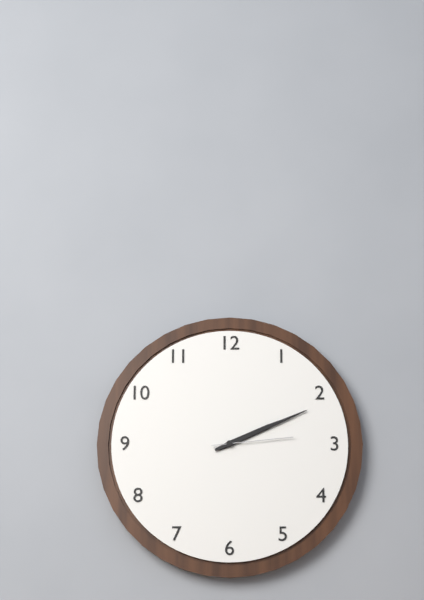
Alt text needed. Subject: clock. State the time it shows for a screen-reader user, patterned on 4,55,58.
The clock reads 2,11,14
